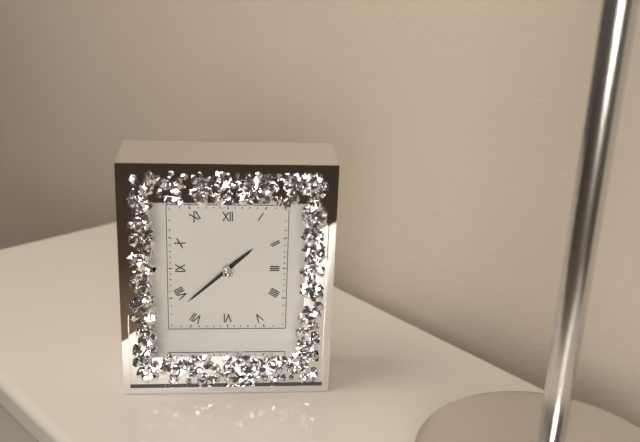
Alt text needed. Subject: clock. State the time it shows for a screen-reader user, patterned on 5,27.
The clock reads 1,38
